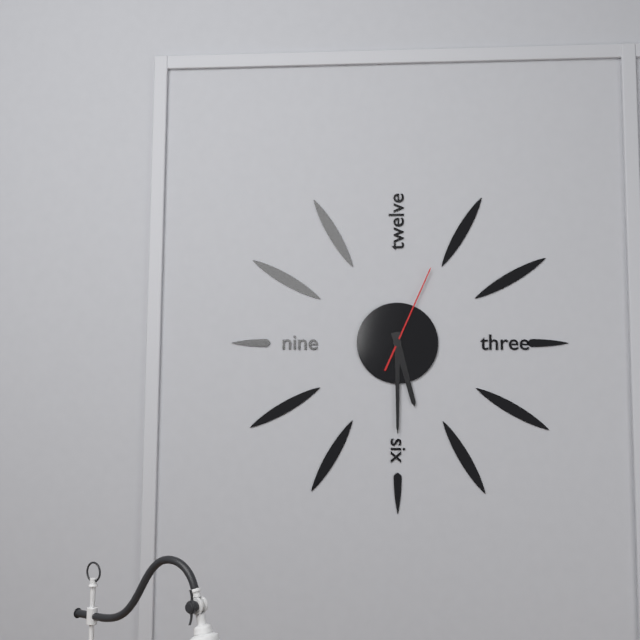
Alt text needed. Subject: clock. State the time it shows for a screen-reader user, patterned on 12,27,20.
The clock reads 5,30,04
